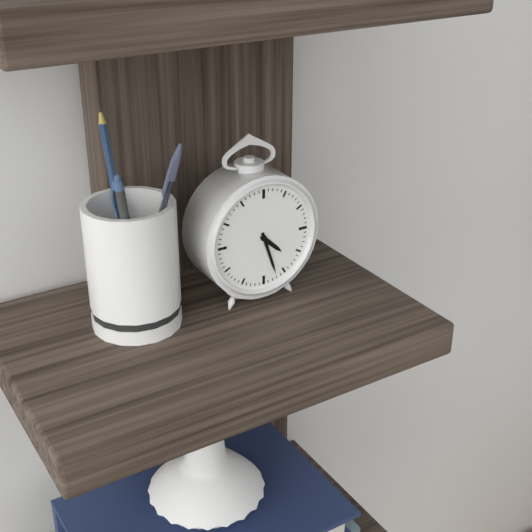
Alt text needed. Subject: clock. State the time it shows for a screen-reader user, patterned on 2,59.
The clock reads 4,27
